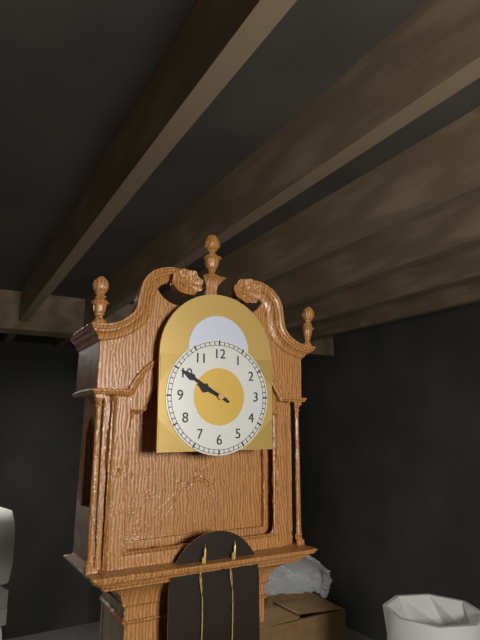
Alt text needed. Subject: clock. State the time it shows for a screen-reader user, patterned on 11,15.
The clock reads 9,50
